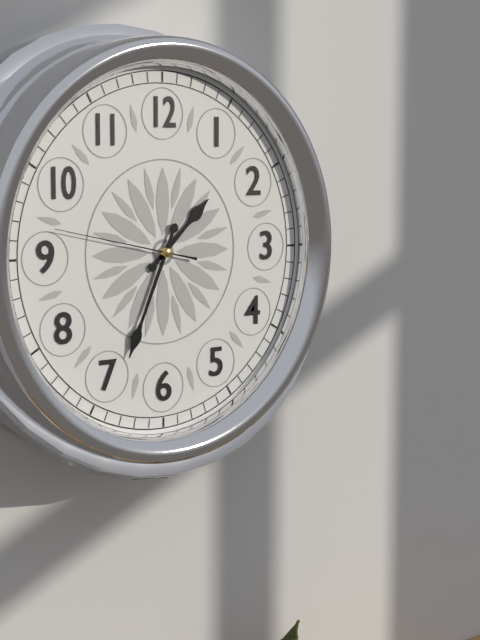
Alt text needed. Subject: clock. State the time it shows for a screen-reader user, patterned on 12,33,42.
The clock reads 1,34,47
